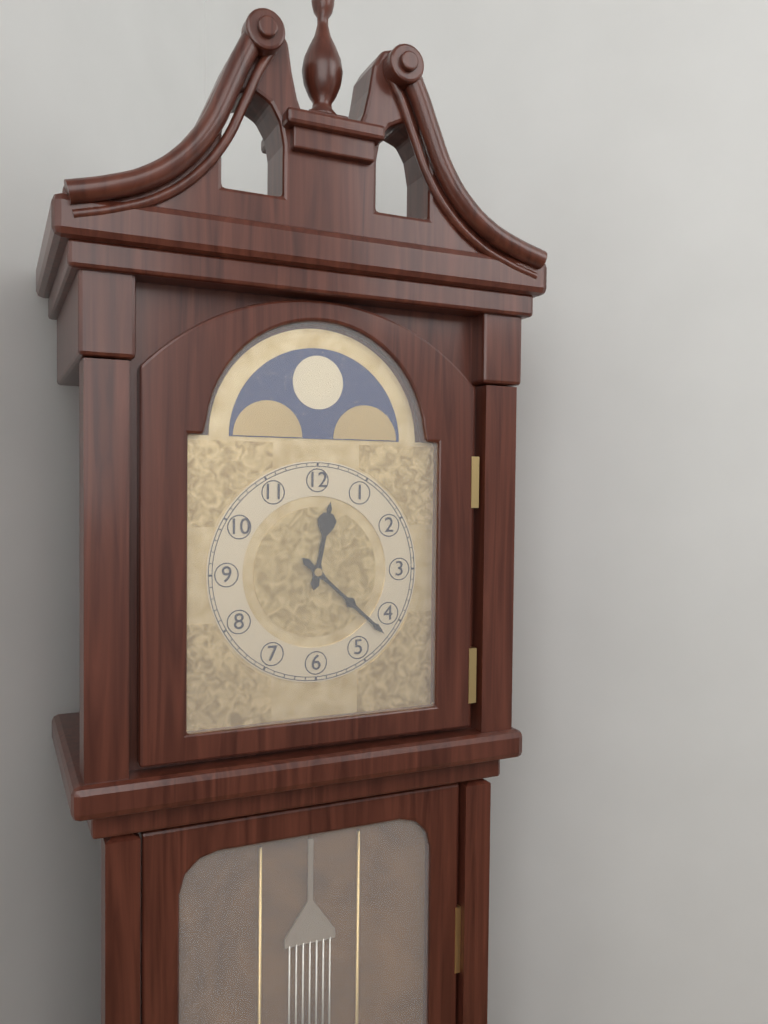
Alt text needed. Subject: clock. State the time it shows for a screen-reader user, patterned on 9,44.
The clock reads 12,22
